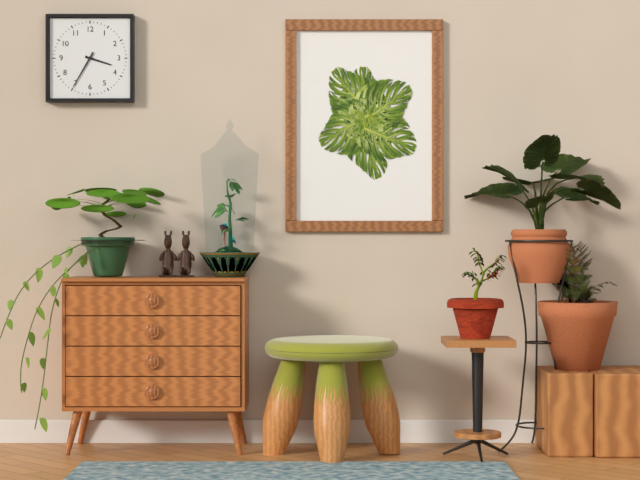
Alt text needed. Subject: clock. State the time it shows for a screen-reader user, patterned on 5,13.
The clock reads 3,35
